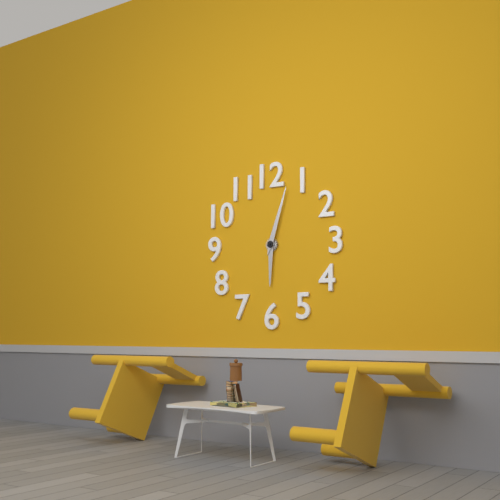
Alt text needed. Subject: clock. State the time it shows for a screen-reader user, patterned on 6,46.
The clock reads 6,03
